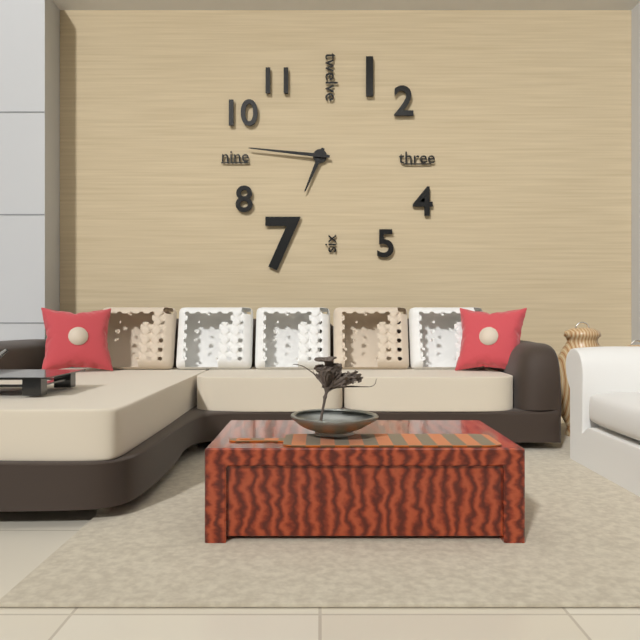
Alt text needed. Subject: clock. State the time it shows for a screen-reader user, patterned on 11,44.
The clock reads 6,46
